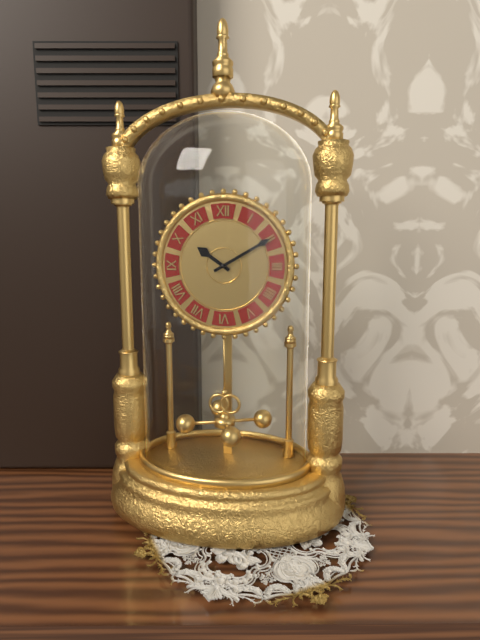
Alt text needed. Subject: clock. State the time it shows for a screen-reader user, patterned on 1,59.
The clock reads 10,10
